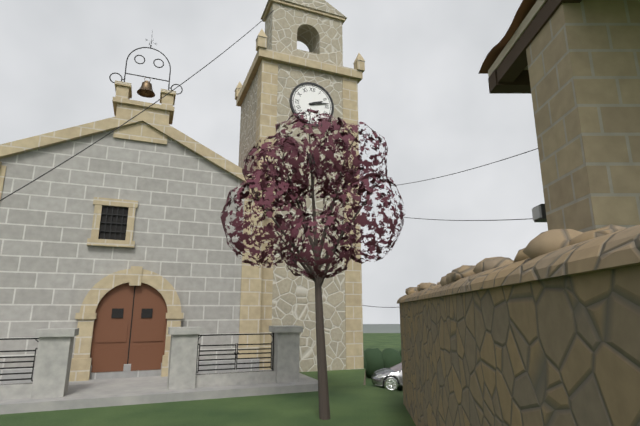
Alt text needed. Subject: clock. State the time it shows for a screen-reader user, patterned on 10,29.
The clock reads 2,13
